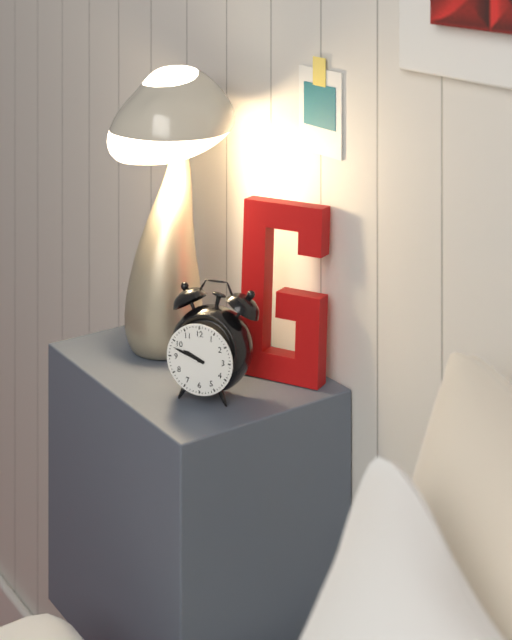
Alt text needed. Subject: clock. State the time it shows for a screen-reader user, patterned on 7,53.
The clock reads 9,48
